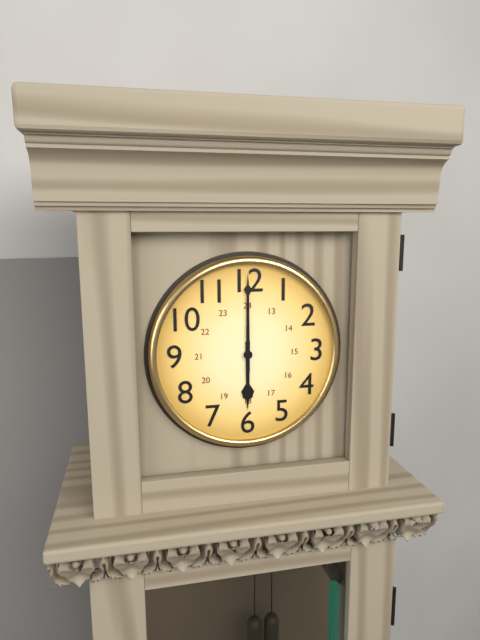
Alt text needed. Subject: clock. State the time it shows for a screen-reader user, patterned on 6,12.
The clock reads 6,00
